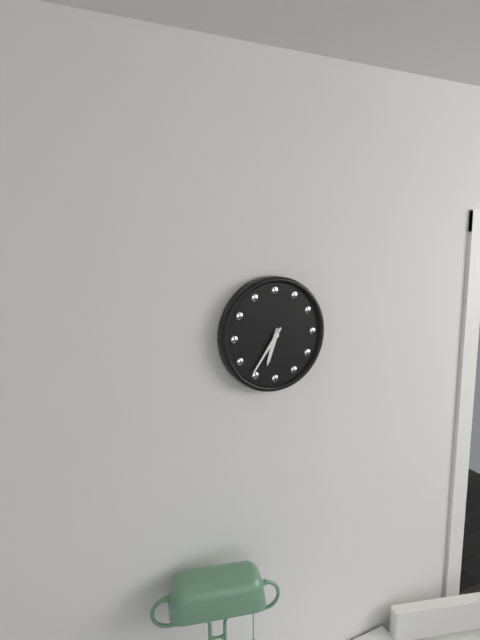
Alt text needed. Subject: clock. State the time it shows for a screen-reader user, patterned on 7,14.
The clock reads 6,36
